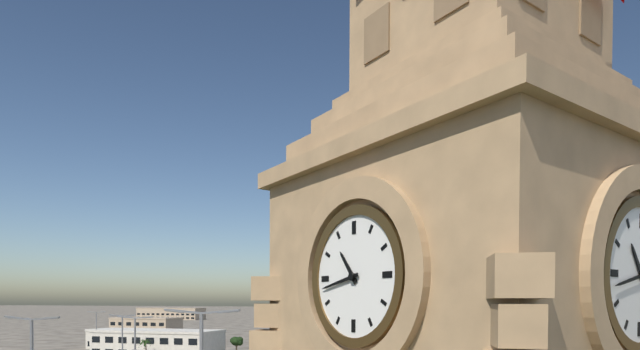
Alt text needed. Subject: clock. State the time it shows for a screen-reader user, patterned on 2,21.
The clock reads 10,43
